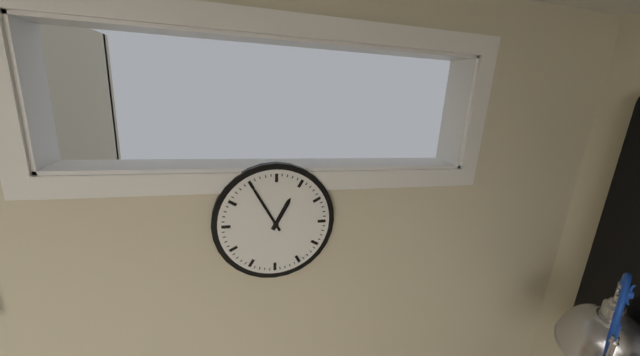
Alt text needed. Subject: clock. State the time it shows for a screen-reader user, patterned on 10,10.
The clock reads 12,55
